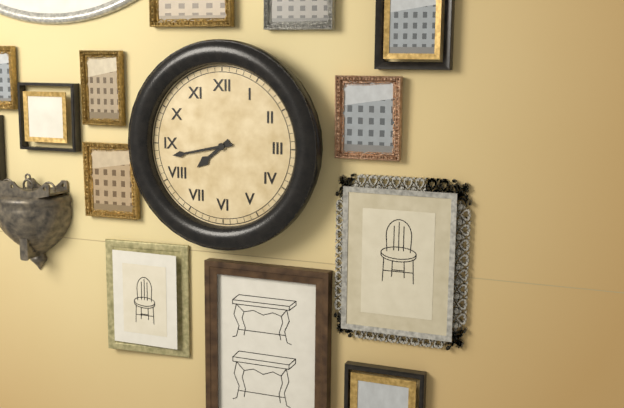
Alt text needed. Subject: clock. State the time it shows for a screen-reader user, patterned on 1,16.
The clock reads 7,43
